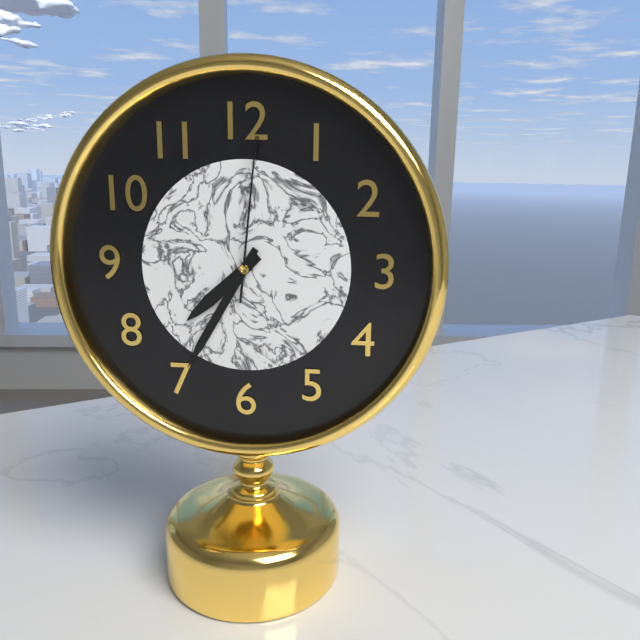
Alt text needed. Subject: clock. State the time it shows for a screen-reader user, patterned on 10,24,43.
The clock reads 7,35,01
